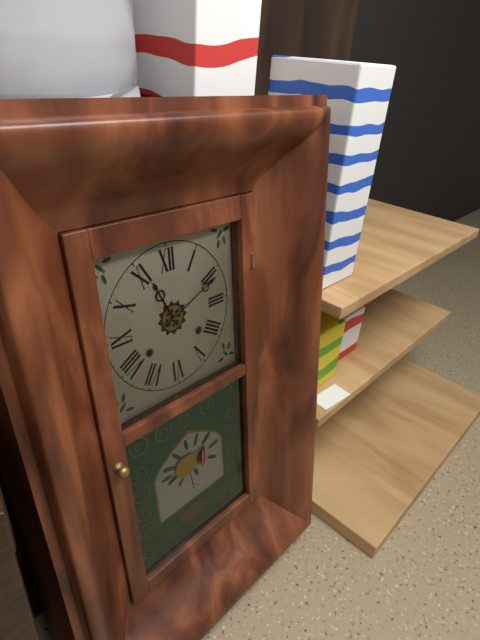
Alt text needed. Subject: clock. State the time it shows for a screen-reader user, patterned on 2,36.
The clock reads 11,11
